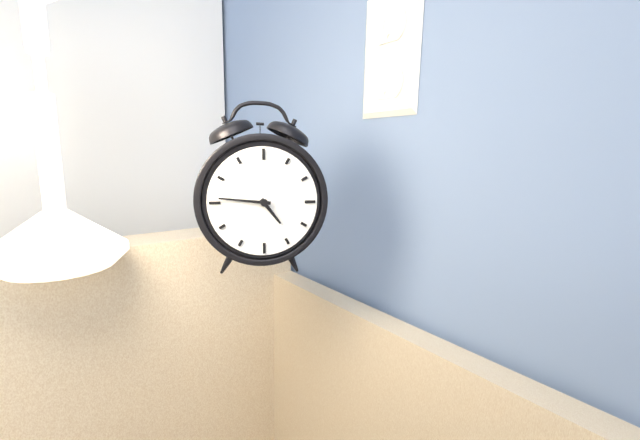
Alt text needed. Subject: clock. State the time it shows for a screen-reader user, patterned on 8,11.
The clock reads 4,46
